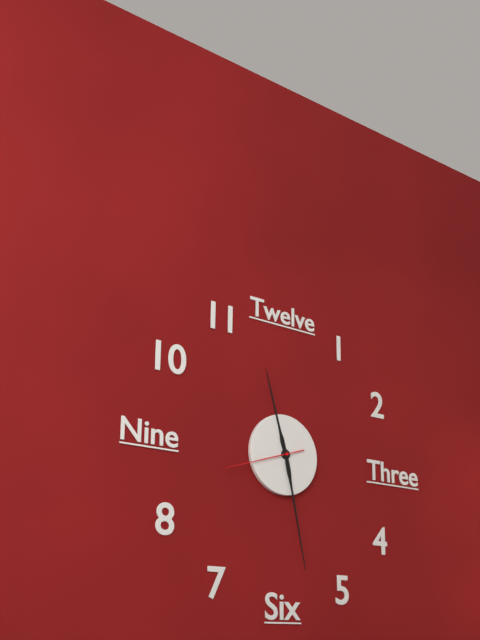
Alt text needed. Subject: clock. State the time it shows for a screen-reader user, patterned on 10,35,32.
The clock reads 11,28,42
